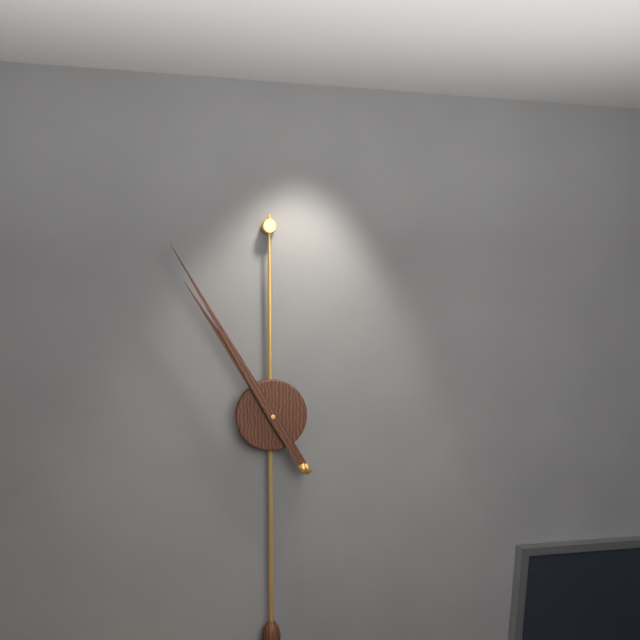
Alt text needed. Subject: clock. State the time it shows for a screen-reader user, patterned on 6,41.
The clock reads 10,55
